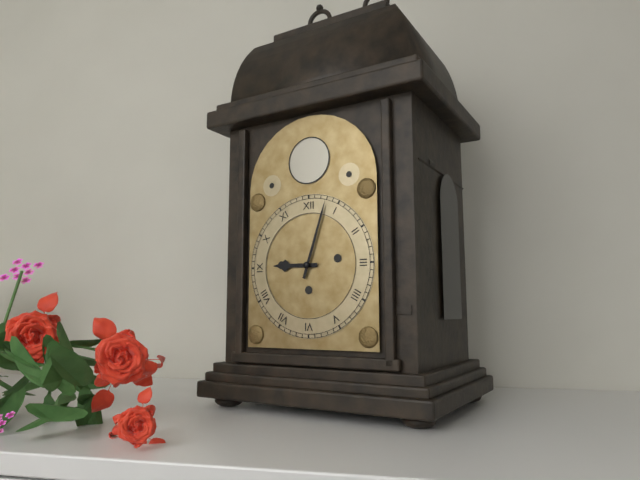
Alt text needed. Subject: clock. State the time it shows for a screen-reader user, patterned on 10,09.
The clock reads 9,03
